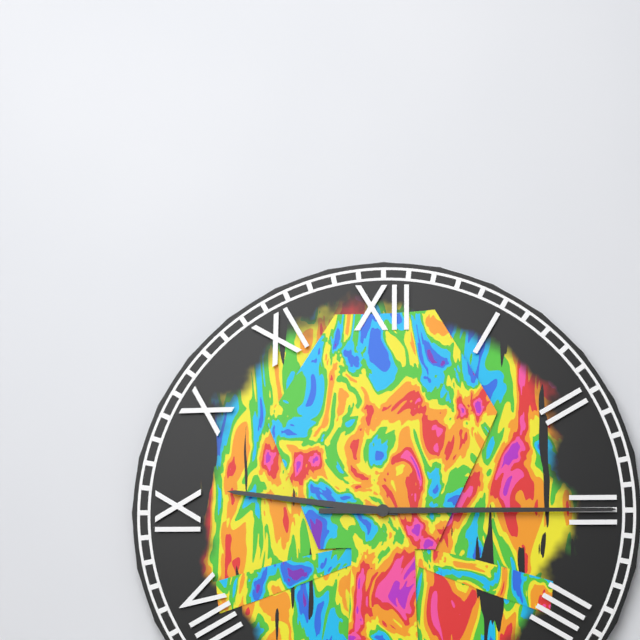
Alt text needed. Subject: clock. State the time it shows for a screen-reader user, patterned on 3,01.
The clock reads 9,15
